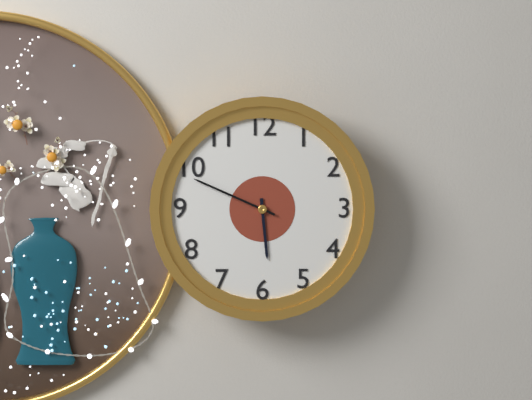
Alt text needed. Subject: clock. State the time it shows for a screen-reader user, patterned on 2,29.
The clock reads 5,49
